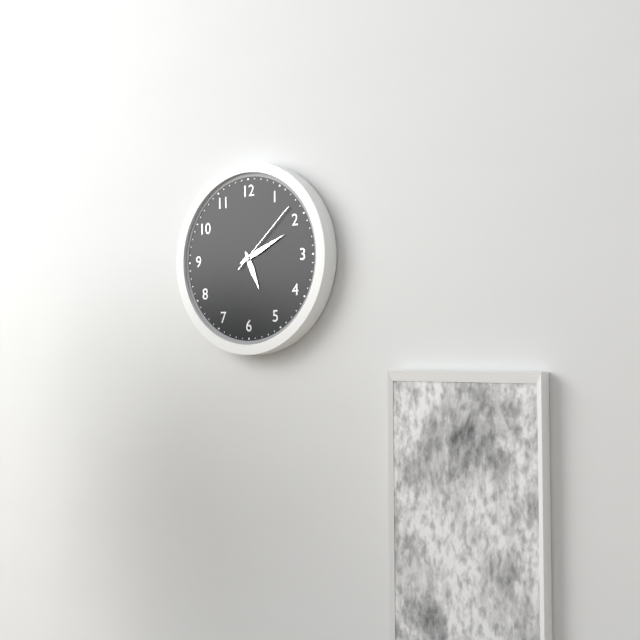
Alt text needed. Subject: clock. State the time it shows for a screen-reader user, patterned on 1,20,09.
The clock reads 5,11,08
